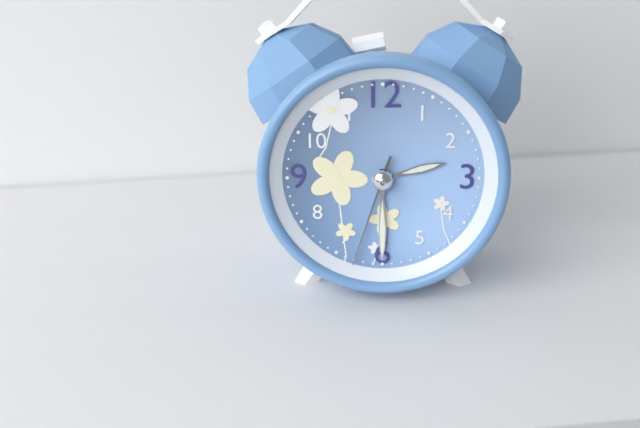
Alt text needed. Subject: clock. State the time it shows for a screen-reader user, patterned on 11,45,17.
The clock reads 2,30,33
